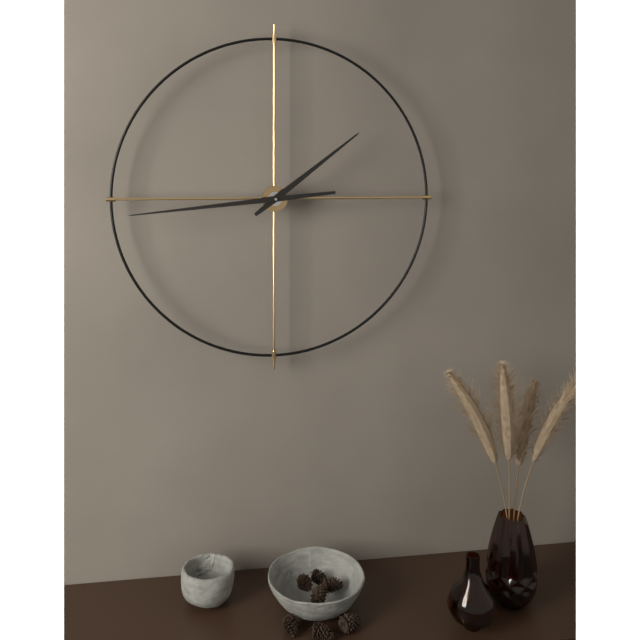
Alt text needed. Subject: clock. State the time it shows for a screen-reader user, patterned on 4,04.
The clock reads 1,44
